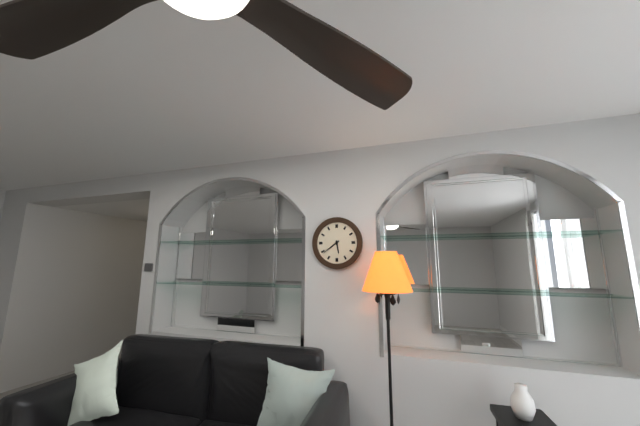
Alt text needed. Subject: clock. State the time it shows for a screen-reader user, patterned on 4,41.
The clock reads 5,39
